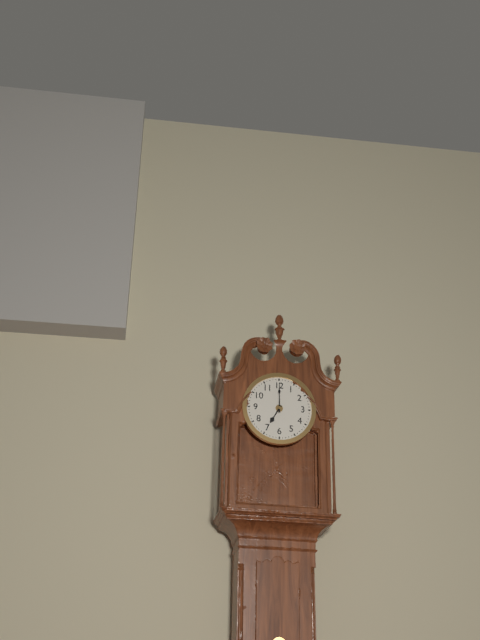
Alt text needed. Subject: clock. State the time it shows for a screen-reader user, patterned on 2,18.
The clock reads 7,00
